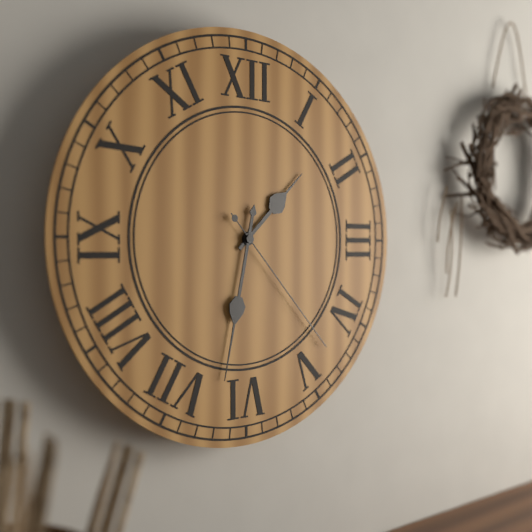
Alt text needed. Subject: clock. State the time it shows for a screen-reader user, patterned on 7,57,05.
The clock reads 1,32,23
